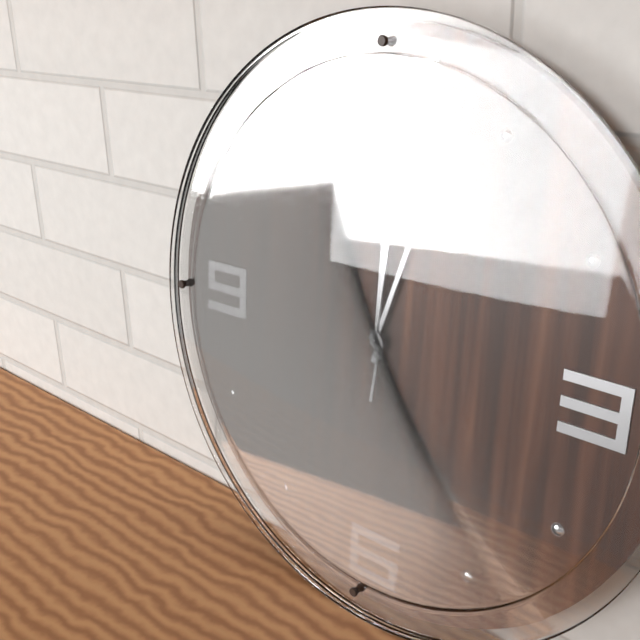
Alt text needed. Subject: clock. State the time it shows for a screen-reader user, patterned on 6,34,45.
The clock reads 12,03,01
